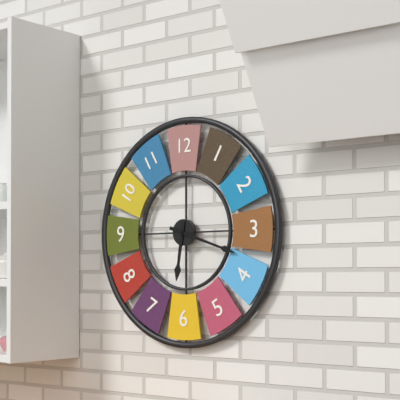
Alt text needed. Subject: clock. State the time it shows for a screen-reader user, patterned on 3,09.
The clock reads 6,18
